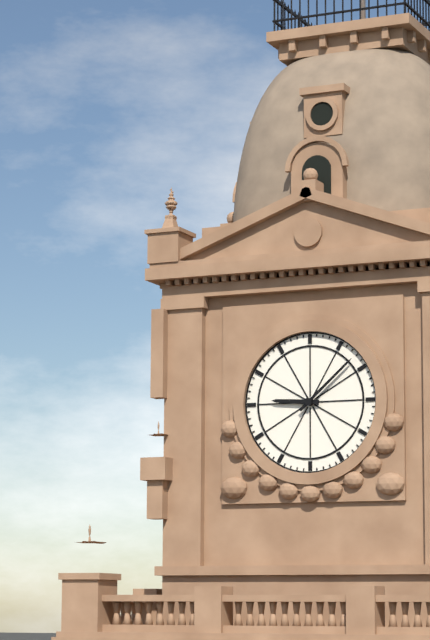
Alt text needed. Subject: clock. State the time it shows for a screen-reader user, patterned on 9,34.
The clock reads 9,08
